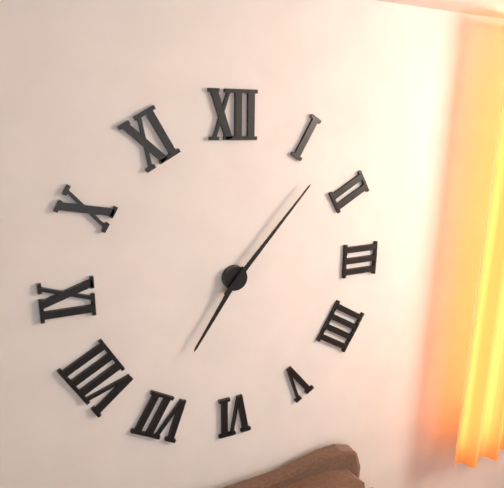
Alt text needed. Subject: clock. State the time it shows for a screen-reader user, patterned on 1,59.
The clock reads 7,07
